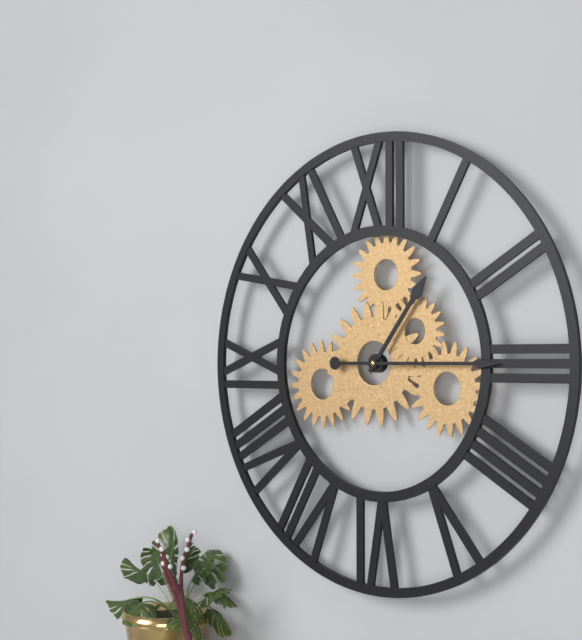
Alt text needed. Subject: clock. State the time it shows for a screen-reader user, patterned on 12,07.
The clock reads 1,15
